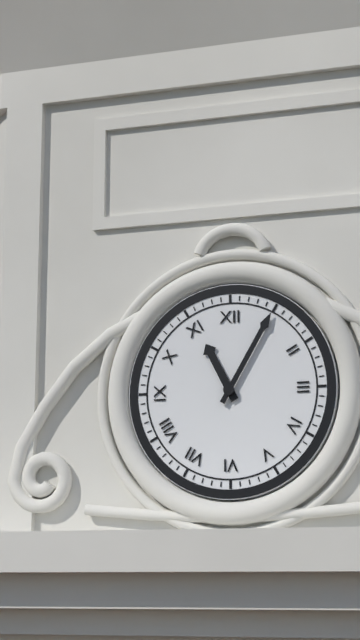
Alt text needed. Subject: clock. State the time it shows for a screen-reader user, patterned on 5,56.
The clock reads 11,05
